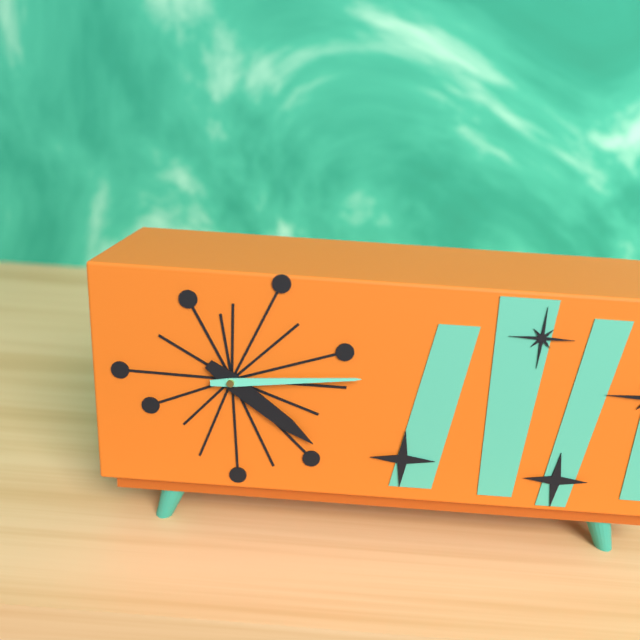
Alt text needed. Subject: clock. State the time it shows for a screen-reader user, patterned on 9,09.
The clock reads 4,14
